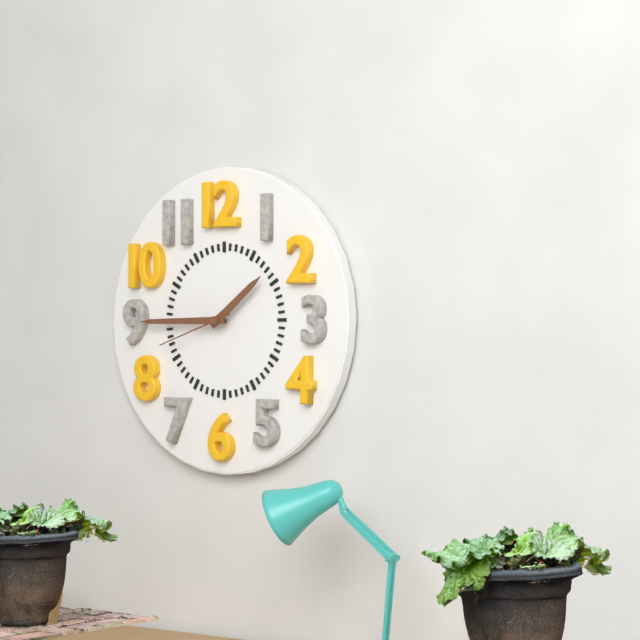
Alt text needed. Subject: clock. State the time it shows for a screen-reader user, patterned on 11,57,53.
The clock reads 1,45,42
